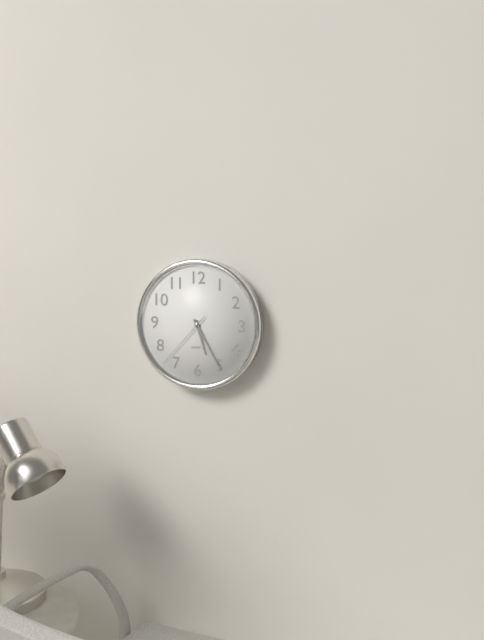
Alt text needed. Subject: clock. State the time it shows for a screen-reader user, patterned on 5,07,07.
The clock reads 5,25,37
